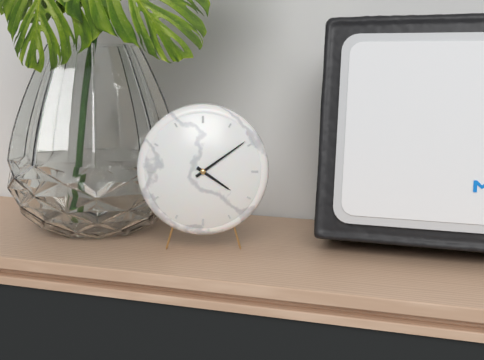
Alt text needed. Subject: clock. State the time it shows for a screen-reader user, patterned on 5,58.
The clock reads 4,09
